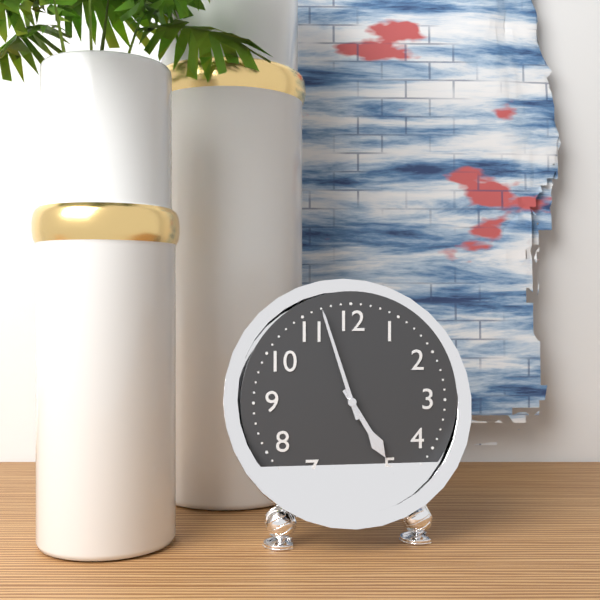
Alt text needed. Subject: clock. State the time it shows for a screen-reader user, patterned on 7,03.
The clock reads 4,57
